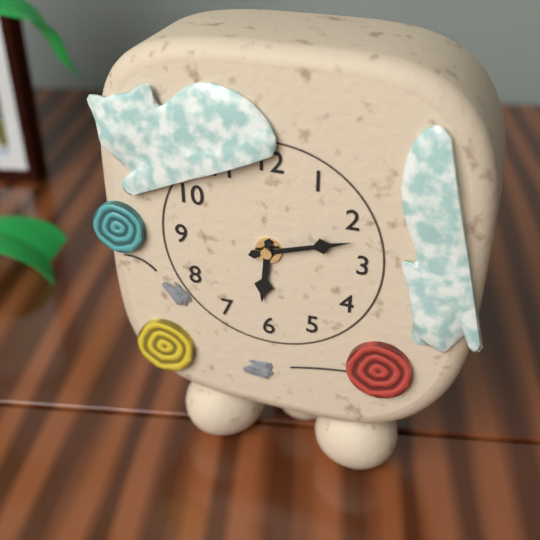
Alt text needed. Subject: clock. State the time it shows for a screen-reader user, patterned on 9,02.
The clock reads 6,12
